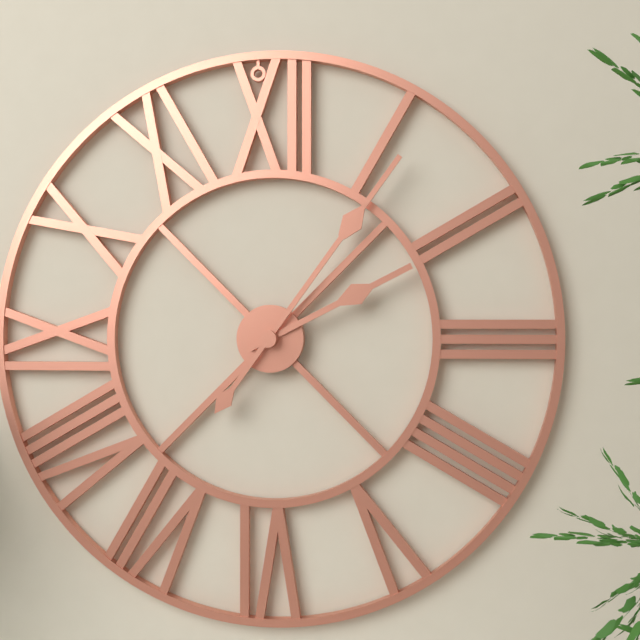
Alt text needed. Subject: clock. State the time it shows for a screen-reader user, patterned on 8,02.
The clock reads 2,06
